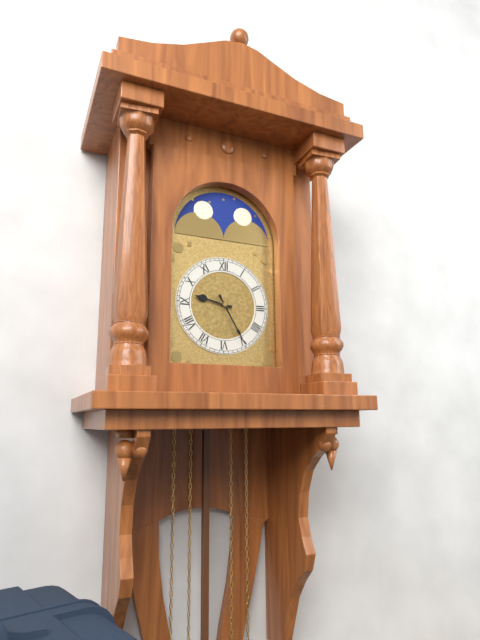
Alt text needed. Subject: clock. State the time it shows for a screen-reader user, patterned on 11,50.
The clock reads 9,25
